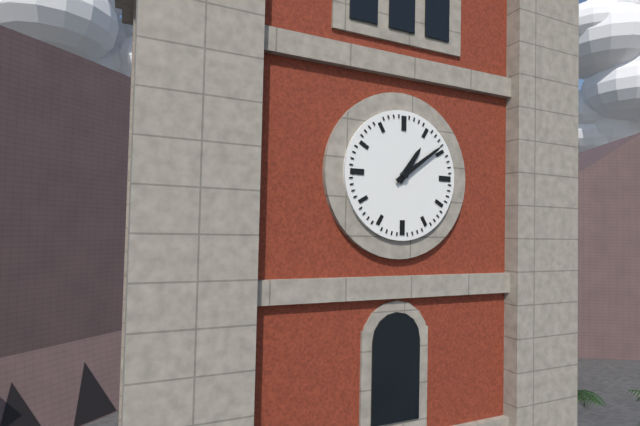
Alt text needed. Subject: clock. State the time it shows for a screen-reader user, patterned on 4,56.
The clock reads 1,09
